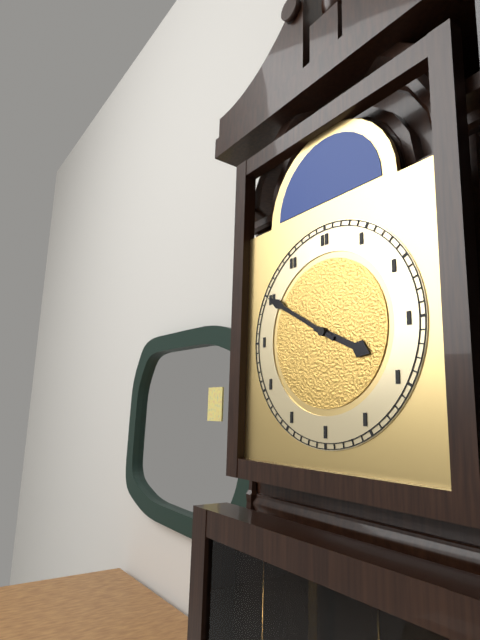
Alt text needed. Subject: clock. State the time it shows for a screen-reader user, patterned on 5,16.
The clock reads 3,50
